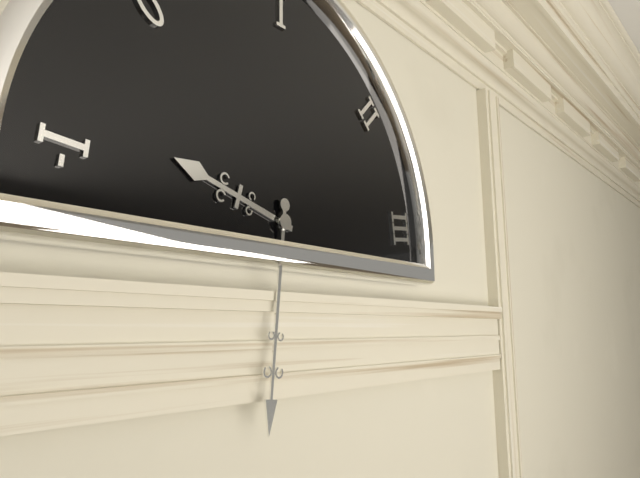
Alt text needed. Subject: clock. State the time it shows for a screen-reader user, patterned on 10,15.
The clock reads 9,31
